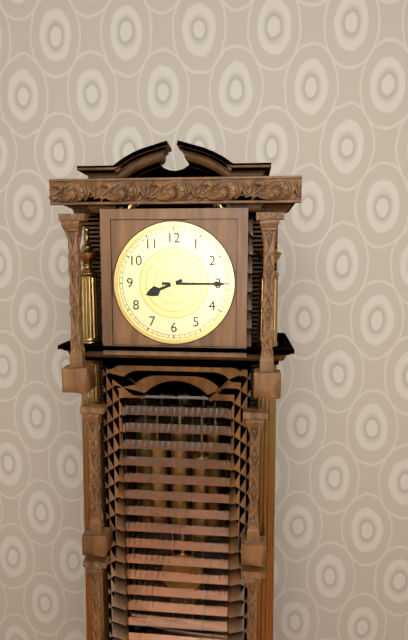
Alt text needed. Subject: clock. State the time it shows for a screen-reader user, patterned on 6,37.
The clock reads 8,15
